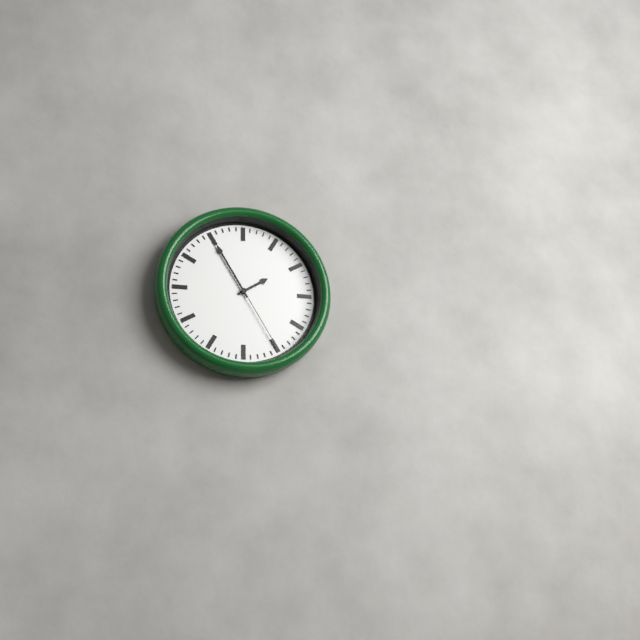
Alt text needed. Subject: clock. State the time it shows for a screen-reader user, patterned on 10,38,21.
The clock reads 1,55,25
